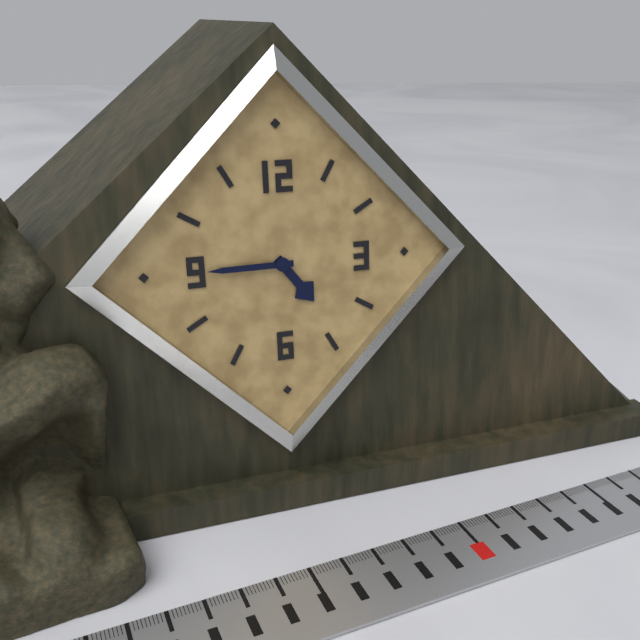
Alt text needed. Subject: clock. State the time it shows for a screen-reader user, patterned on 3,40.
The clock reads 4,45
